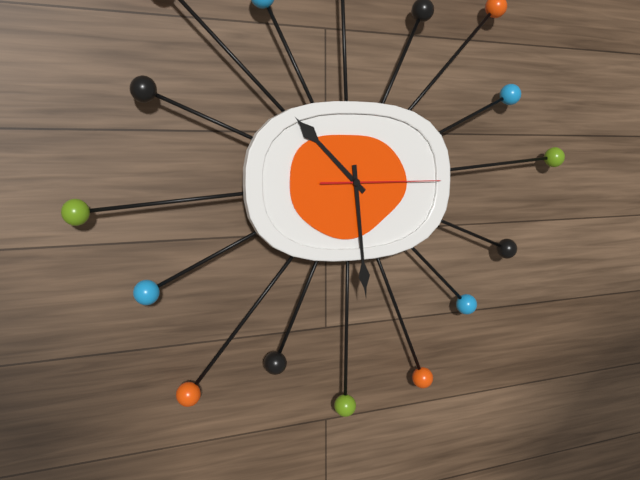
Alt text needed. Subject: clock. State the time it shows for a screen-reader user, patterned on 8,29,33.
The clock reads 10,29,15
